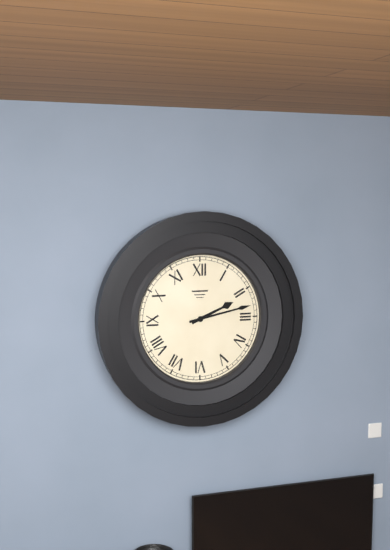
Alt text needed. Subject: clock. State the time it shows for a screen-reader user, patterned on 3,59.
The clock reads 2,13
